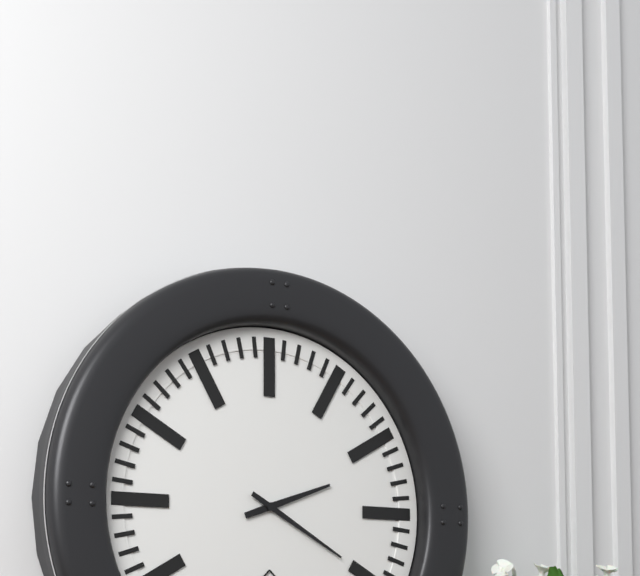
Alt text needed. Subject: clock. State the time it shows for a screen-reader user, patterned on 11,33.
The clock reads 2,20
